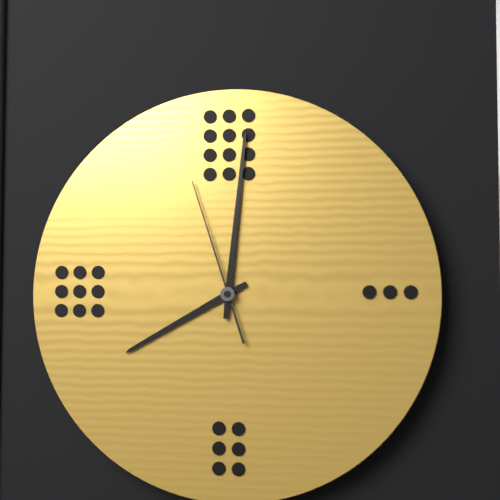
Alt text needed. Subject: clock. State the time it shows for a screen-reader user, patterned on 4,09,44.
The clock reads 8,01,57
